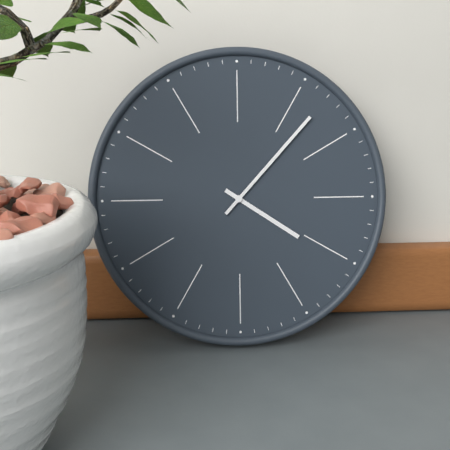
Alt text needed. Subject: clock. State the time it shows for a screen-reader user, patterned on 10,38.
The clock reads 4,07
